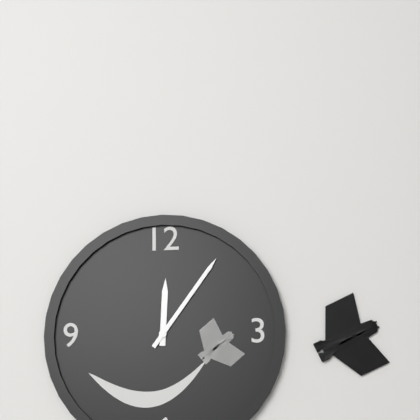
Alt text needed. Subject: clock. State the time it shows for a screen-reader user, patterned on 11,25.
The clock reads 12,06
